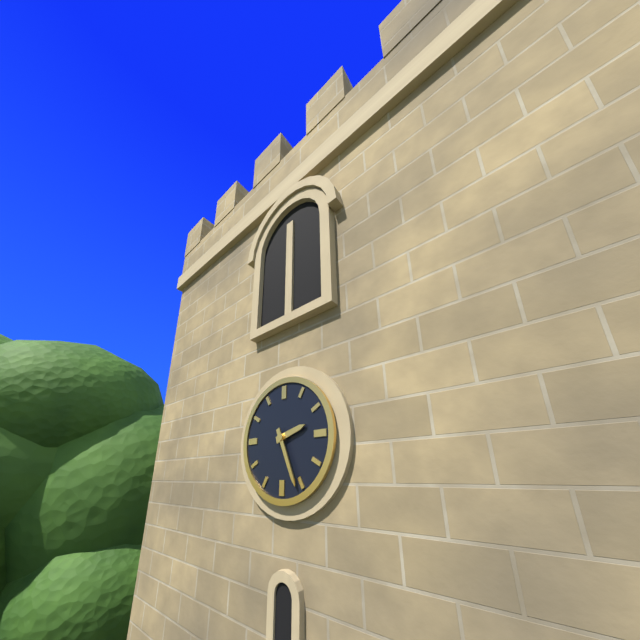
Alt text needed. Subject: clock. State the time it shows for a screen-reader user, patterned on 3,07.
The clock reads 2,26
